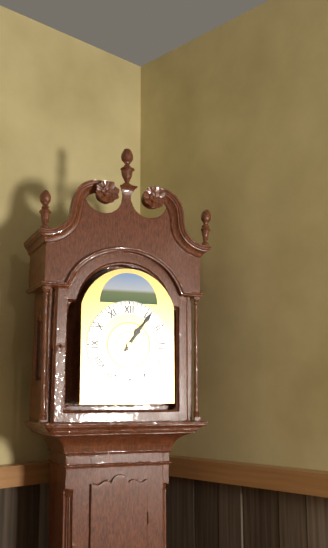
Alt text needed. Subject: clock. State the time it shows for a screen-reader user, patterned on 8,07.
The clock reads 1,06
